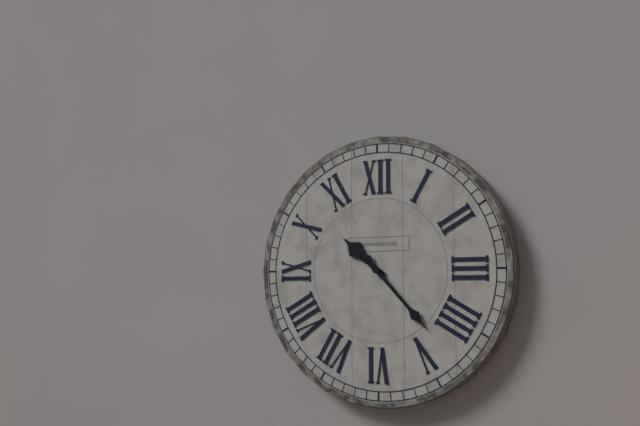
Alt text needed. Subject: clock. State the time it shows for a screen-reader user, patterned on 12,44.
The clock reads 10,23
